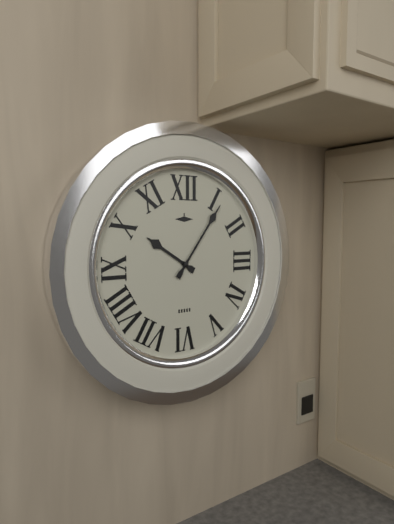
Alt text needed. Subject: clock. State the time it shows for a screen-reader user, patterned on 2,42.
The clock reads 10,06
